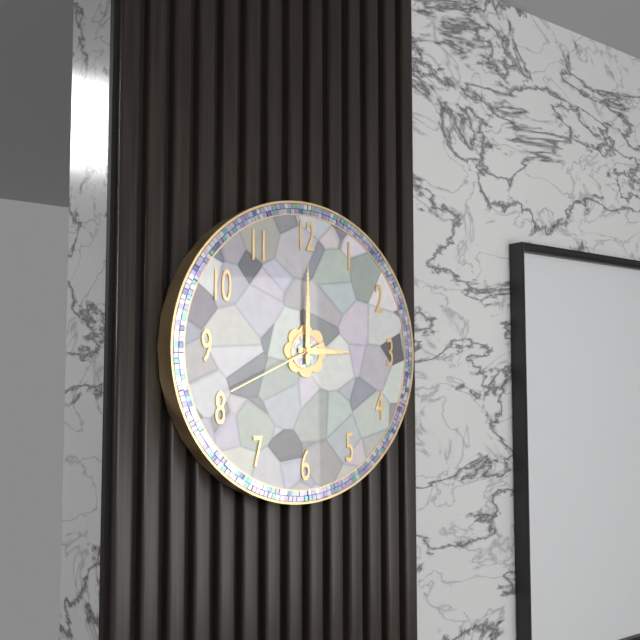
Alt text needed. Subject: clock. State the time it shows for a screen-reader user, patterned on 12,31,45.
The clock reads 3,00,41
